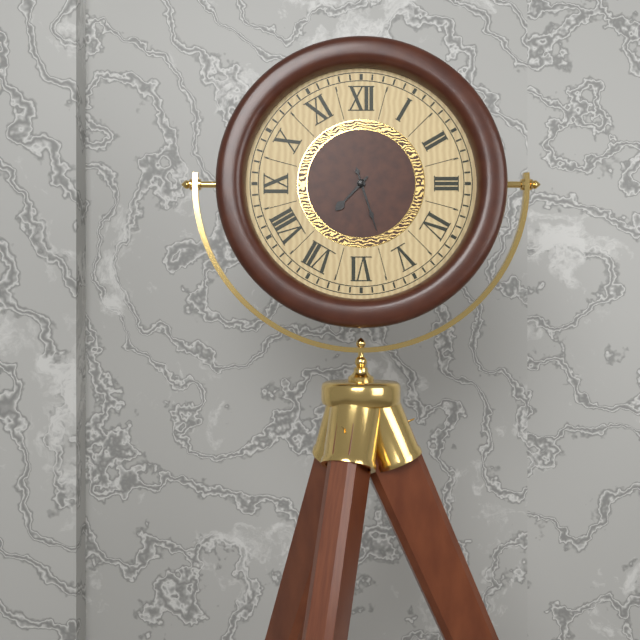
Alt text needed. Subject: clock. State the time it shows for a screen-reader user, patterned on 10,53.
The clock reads 7,27
